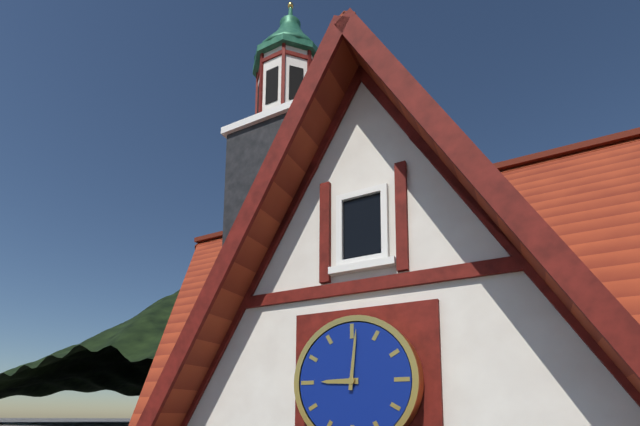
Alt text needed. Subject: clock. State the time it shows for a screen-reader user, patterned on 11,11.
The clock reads 9,01
